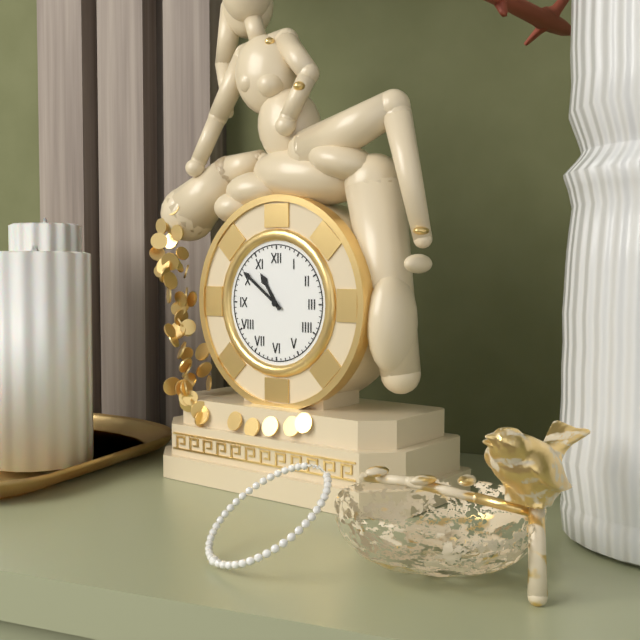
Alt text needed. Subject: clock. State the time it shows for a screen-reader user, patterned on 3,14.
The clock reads 10,51
